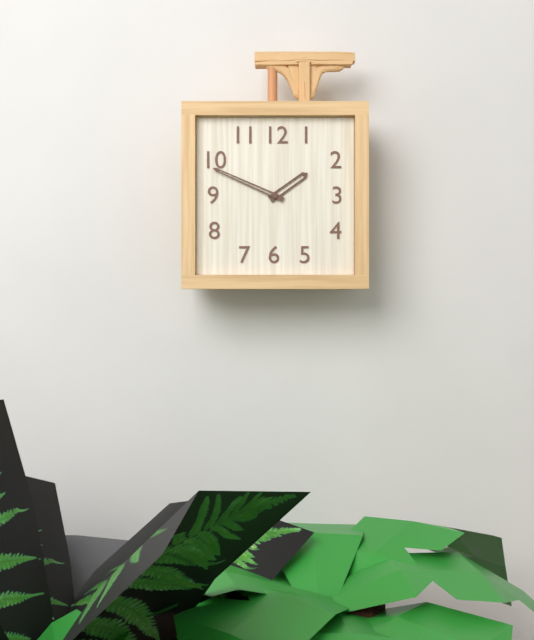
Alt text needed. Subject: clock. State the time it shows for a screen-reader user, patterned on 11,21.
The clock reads 1,49
